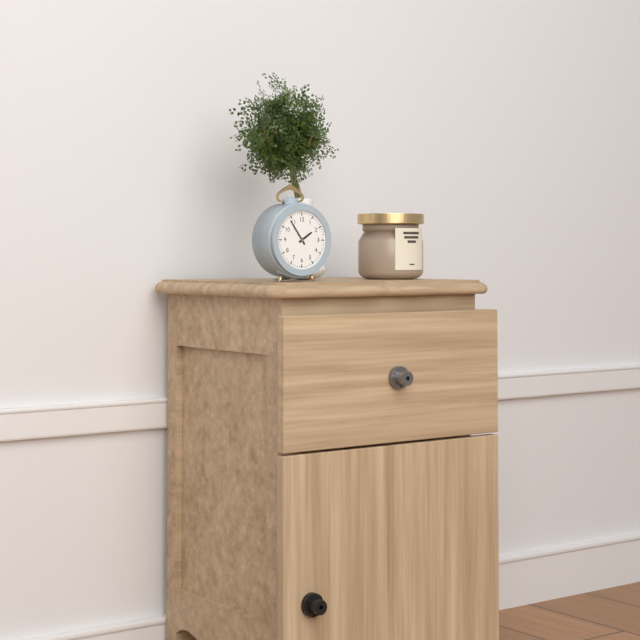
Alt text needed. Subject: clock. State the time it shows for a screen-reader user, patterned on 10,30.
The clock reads 1,54
